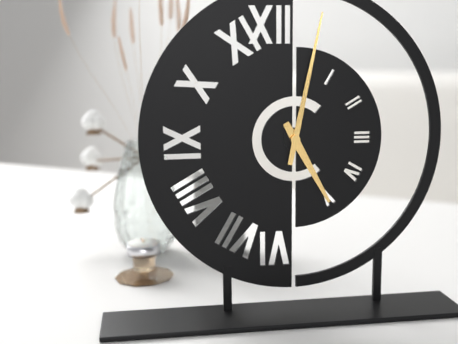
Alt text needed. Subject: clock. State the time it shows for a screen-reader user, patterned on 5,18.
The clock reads 5,02
